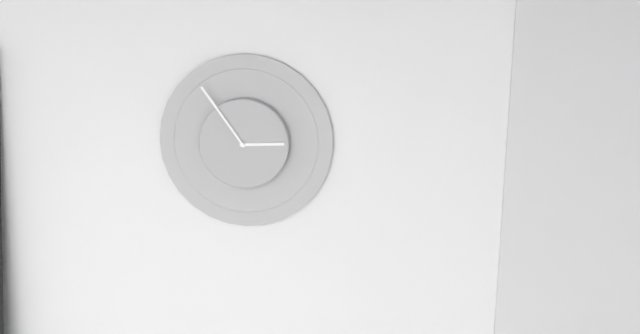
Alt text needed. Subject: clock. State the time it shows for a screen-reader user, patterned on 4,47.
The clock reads 2,54
